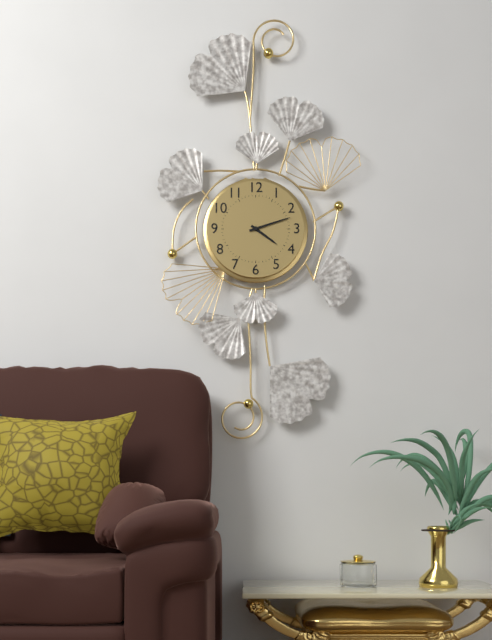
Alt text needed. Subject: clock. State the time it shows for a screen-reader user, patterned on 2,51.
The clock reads 4,12
